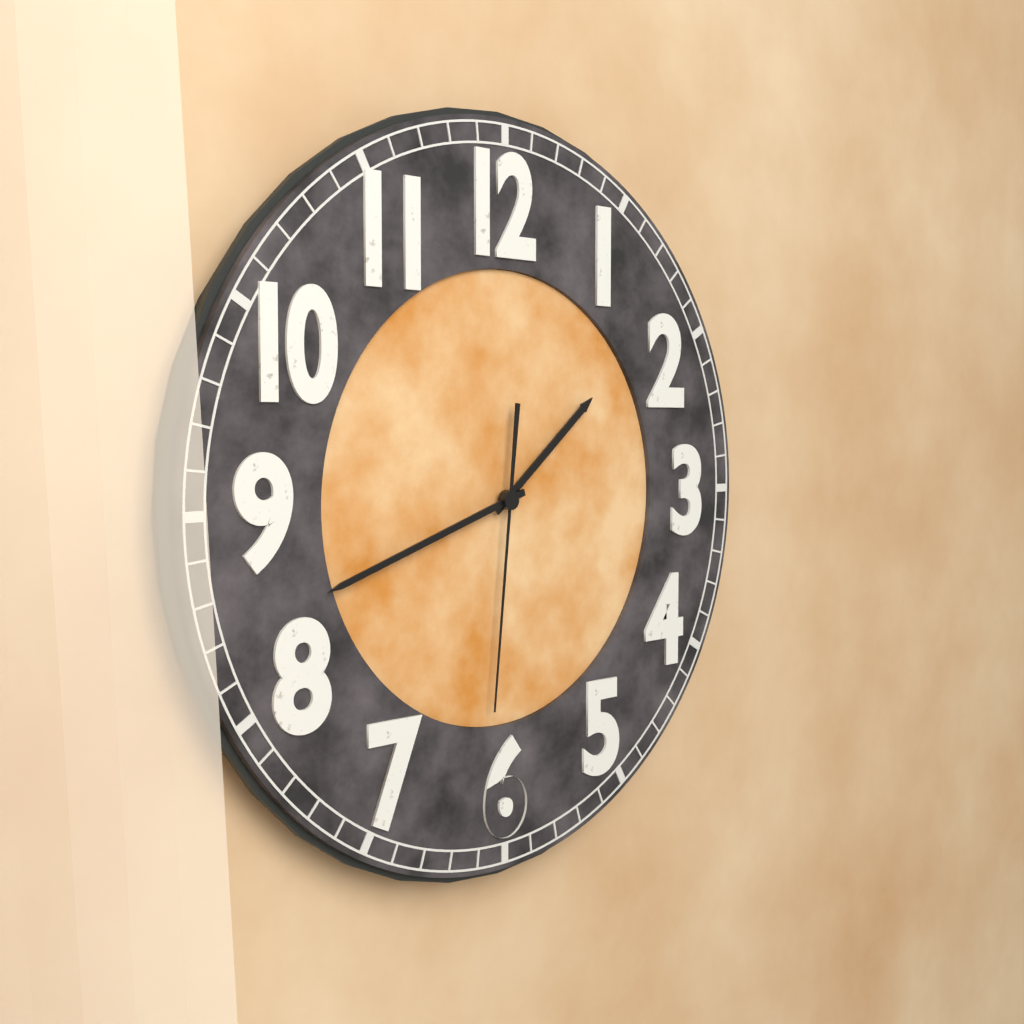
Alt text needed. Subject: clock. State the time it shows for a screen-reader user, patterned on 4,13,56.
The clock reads 1,42,31
